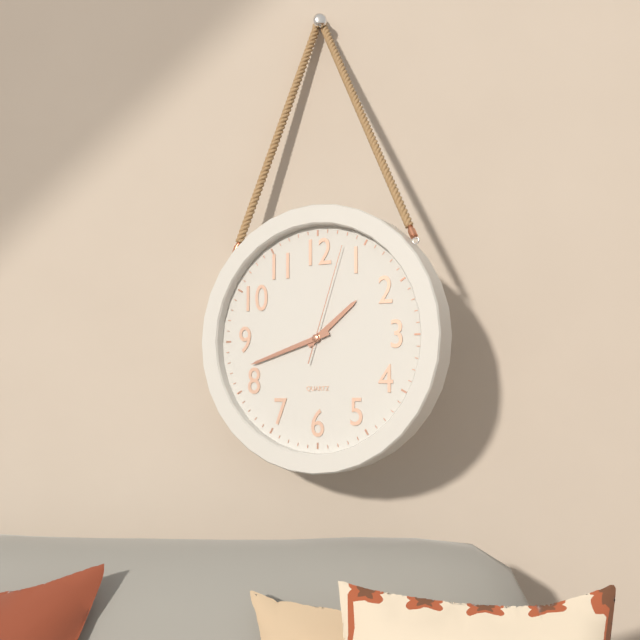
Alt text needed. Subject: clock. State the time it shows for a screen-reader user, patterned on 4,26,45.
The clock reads 1,42,03
